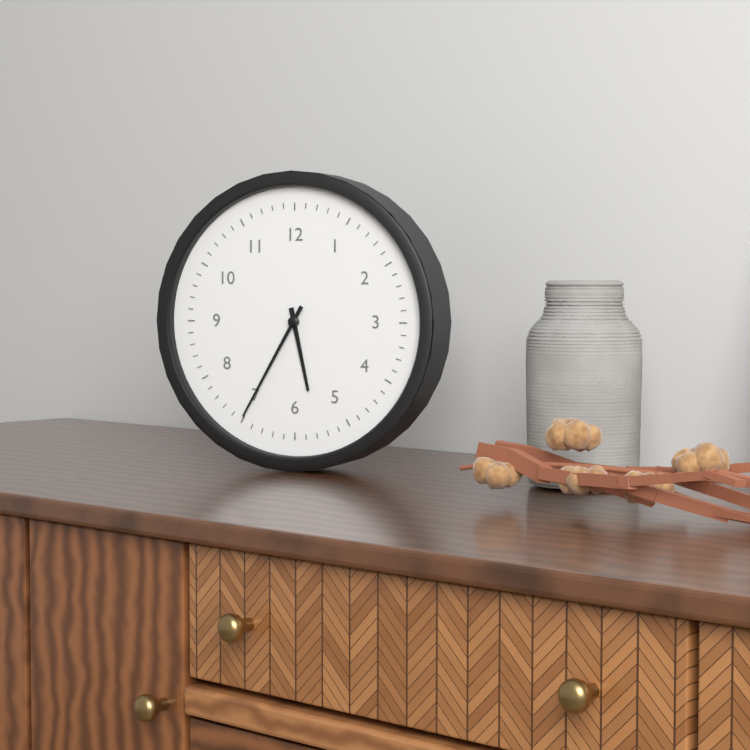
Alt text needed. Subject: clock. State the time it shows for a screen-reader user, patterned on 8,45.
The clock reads 5,35
